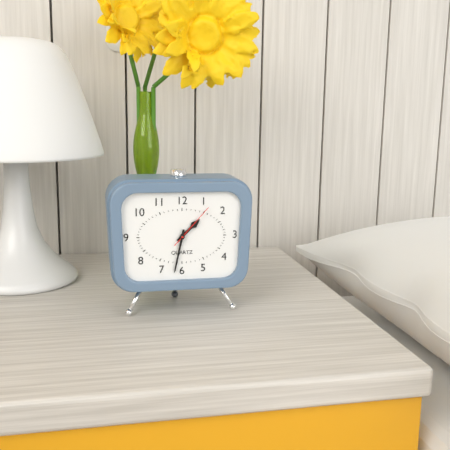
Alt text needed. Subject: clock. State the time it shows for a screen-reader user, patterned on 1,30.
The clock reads 1,32
